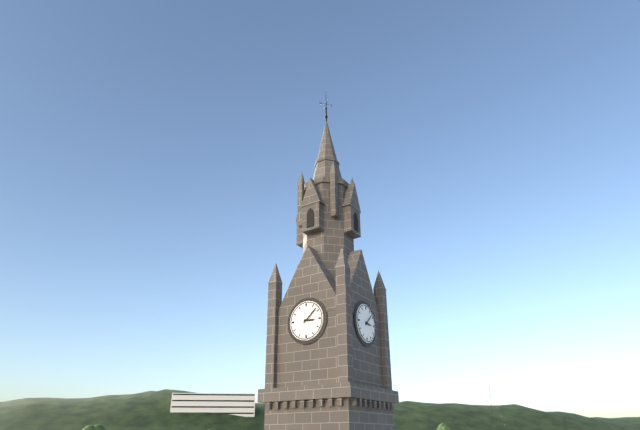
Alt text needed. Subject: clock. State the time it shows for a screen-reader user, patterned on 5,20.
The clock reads 3,08
